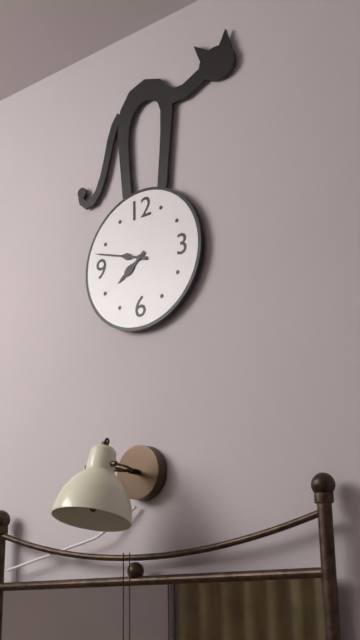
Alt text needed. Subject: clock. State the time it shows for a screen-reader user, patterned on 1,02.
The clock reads 7,48
